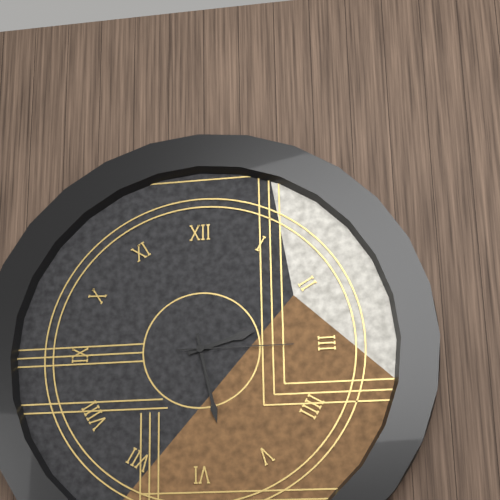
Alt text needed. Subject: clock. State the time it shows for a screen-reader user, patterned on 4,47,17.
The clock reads 2,28,15
